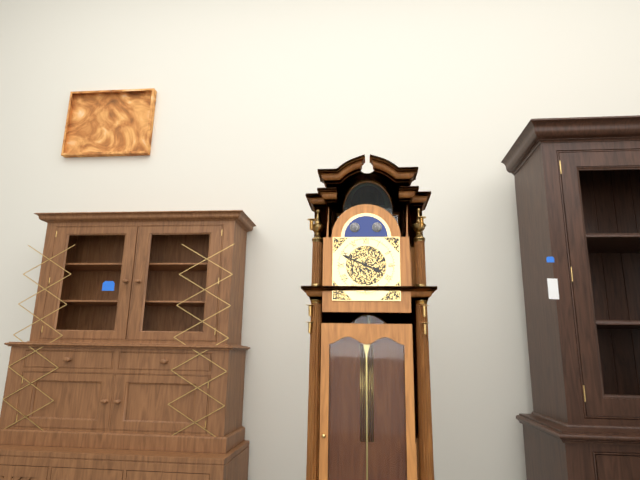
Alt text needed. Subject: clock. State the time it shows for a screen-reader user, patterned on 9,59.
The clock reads 3,49
